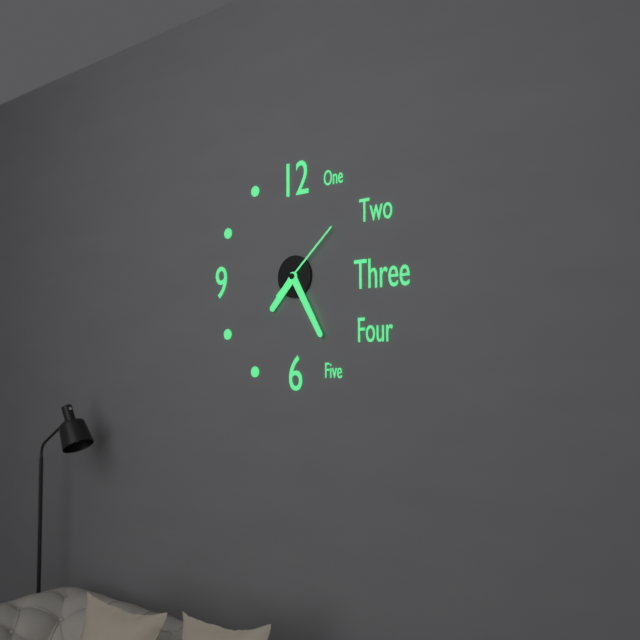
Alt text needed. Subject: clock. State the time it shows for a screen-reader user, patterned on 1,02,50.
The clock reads 7,25,08
